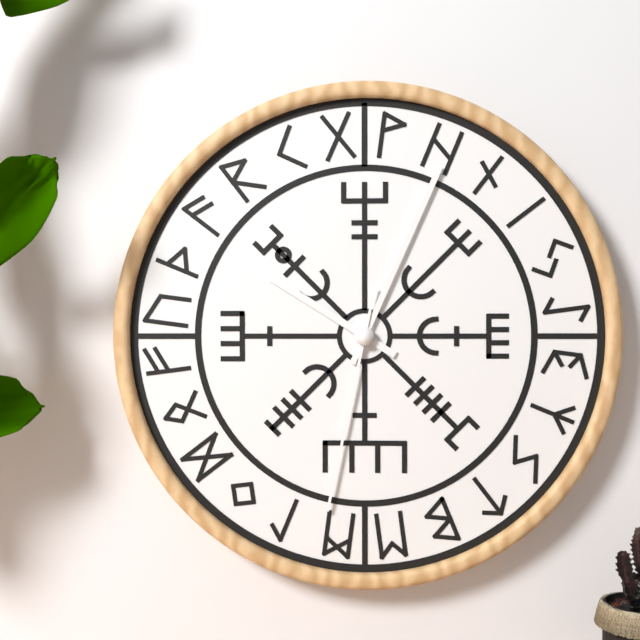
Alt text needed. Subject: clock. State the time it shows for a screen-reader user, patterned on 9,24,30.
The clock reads 10,04,32
